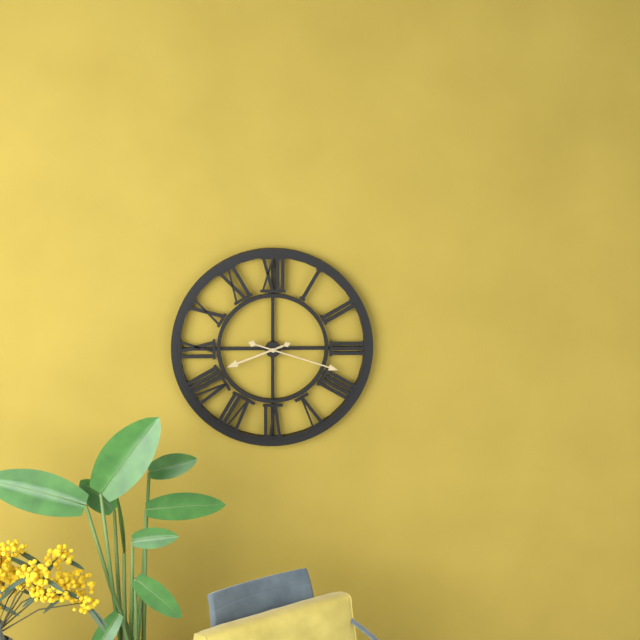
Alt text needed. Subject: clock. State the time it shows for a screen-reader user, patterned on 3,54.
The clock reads 8,18
